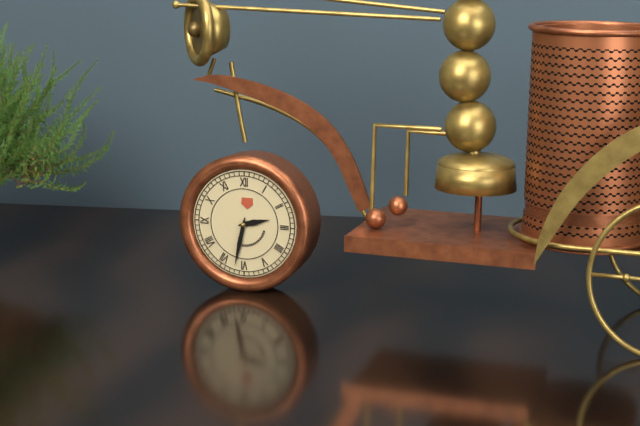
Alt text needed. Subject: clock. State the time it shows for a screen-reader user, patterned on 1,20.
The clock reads 2,32
